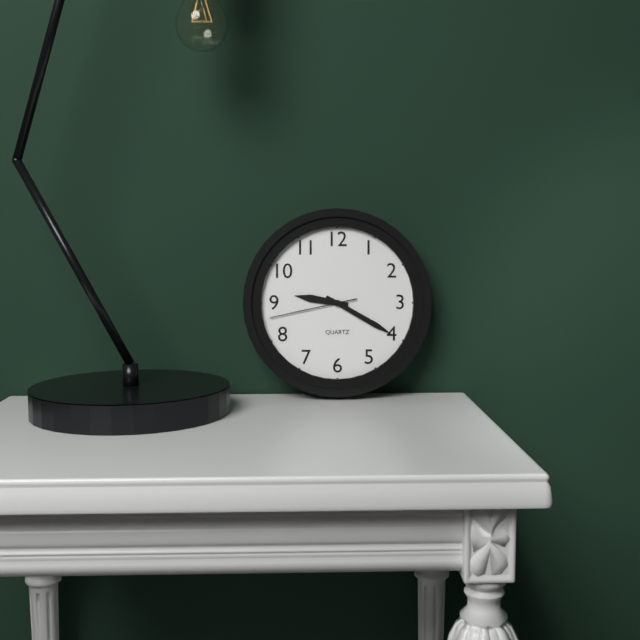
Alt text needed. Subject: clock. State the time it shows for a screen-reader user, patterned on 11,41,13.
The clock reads 9,20,43
